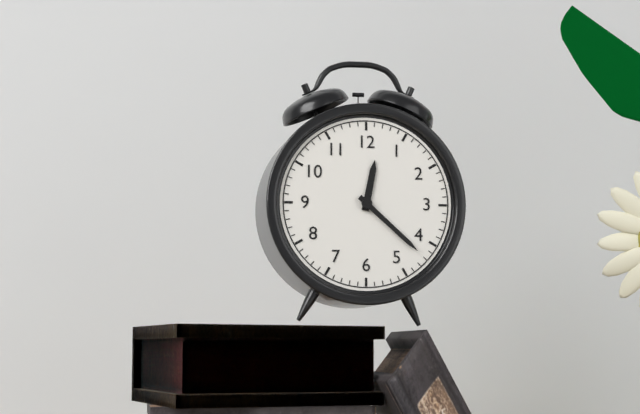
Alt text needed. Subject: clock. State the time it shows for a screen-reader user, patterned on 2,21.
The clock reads 12,22
